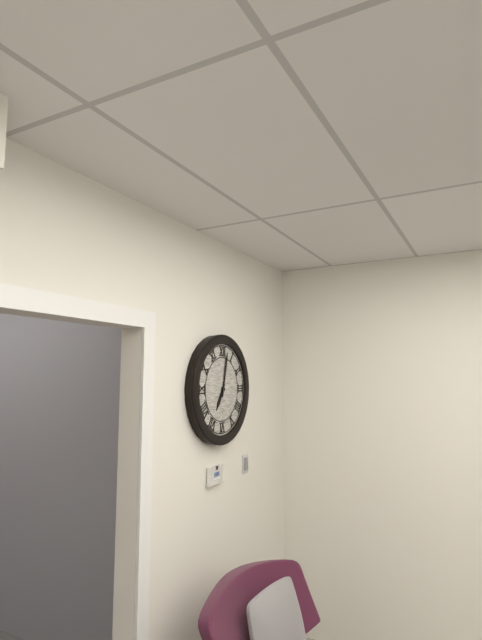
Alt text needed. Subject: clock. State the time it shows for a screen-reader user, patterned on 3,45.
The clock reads 7,02
